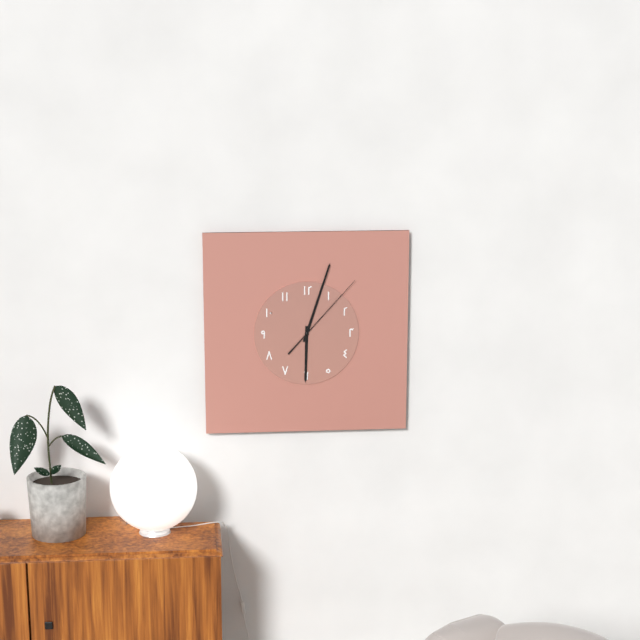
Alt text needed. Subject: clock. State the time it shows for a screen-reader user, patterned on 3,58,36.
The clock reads 6,03,07
